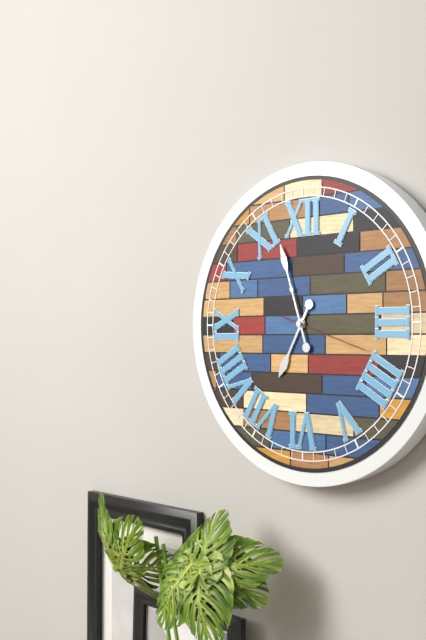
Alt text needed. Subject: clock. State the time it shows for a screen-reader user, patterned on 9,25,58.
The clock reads 6,57,18
